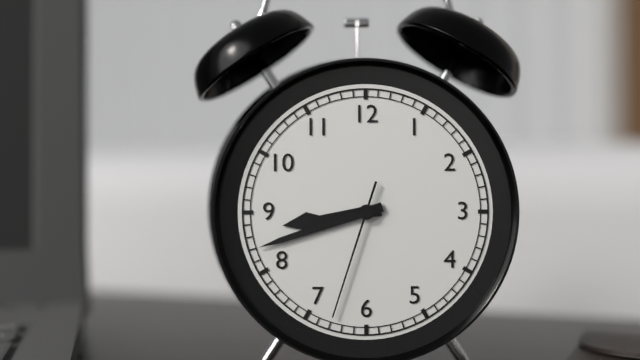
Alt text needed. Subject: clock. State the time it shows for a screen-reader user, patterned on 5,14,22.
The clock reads 8,42,33
